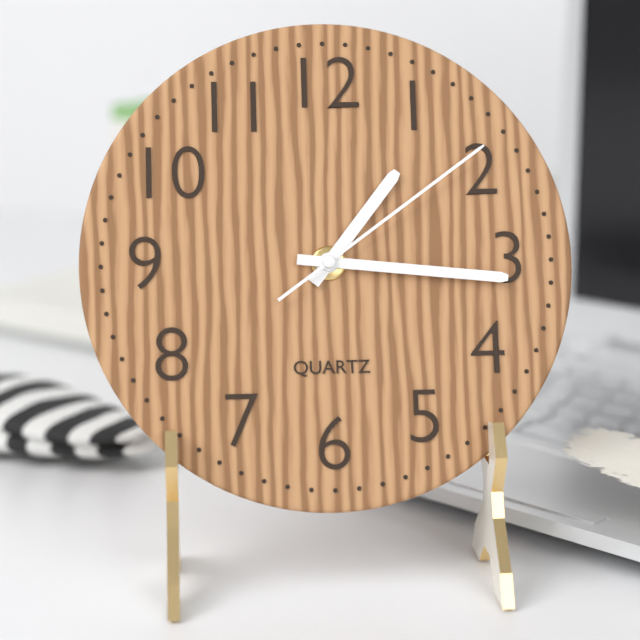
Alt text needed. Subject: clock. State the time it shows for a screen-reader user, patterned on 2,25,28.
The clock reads 1,16,09
